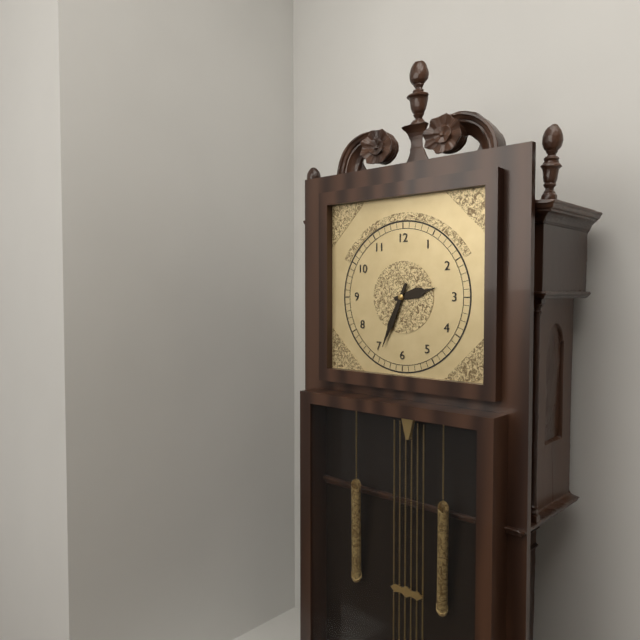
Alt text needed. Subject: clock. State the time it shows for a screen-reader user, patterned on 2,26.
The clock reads 2,34
